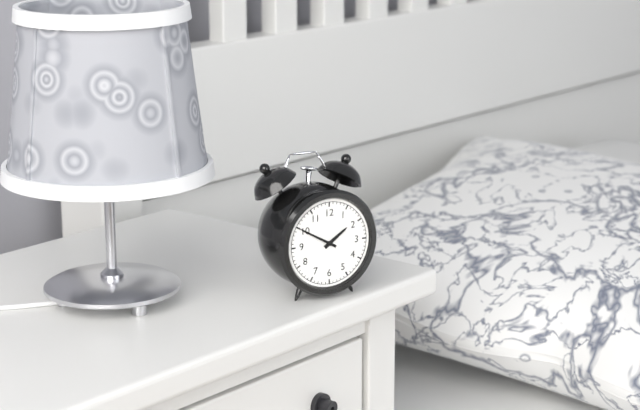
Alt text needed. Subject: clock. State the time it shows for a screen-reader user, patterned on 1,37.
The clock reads 1,50
